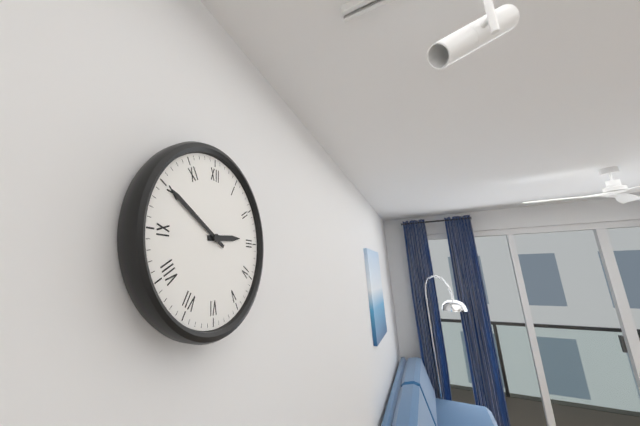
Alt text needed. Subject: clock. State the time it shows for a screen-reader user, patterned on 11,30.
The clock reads 2,50
